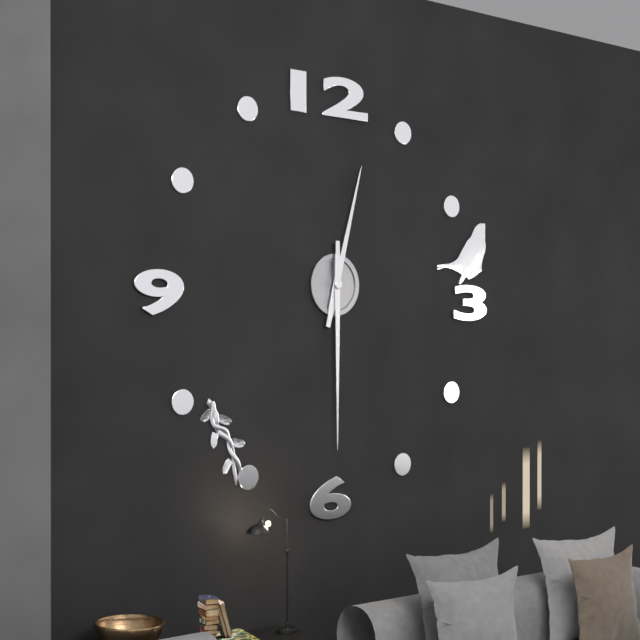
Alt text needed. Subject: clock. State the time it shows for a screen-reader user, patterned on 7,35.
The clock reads 12,30
